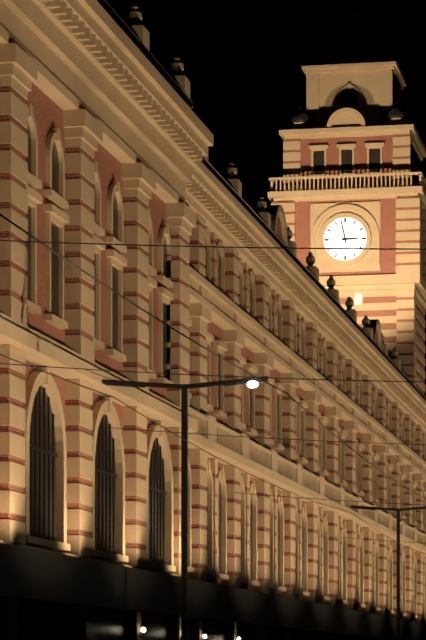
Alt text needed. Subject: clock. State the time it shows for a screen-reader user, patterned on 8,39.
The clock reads 2,58
